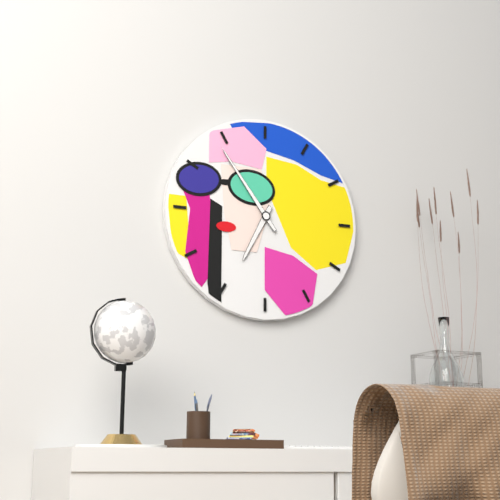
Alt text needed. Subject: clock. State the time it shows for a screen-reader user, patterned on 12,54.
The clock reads 6,54
